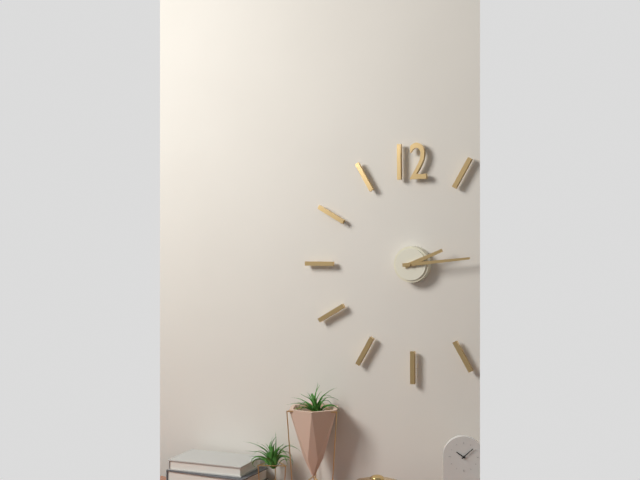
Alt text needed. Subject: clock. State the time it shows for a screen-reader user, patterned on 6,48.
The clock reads 2,14
